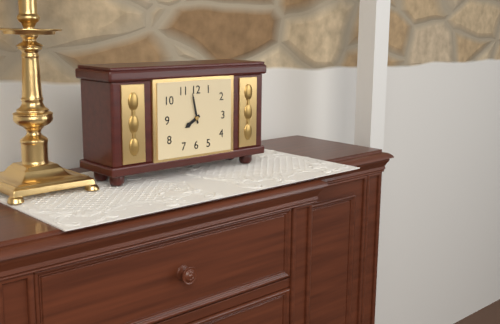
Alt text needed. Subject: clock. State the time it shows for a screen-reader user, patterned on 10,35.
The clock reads 7,58
